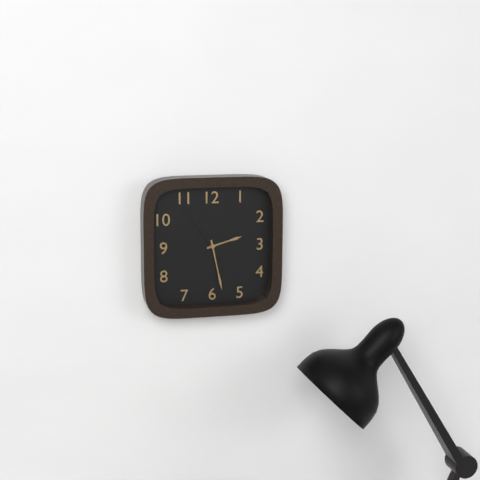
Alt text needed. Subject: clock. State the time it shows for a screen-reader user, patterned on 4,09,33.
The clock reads 2,28,54
